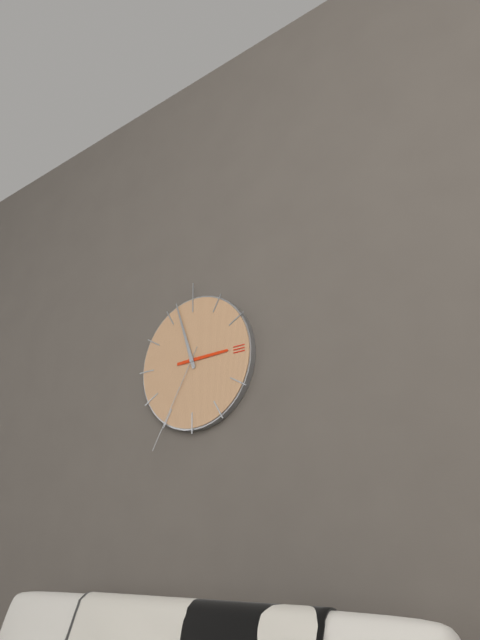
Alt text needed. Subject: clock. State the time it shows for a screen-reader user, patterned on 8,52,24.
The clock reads 2,57,35
